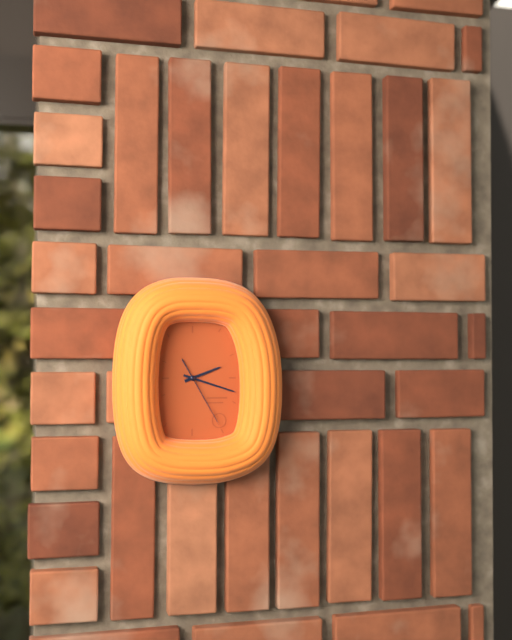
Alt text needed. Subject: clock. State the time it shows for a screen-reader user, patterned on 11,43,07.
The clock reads 2,18,25
